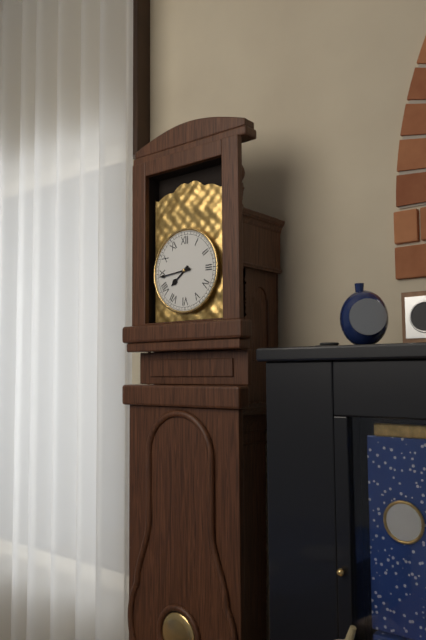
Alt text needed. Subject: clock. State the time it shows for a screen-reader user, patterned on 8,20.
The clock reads 7,44
